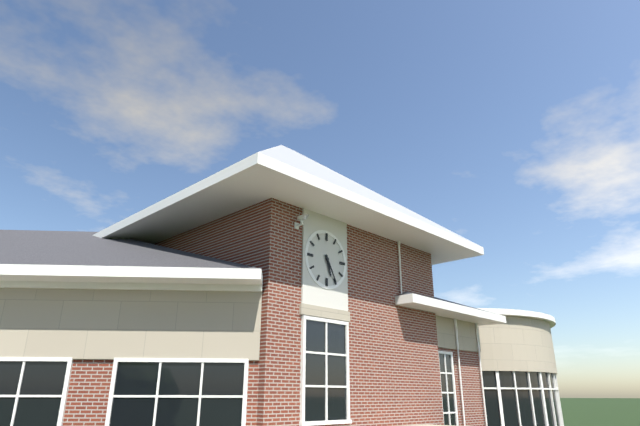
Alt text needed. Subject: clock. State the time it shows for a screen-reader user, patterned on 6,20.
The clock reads 5,25
